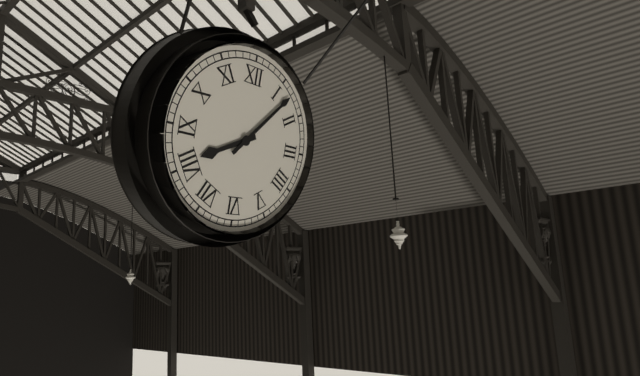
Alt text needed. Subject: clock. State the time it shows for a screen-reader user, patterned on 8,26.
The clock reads 8,07
